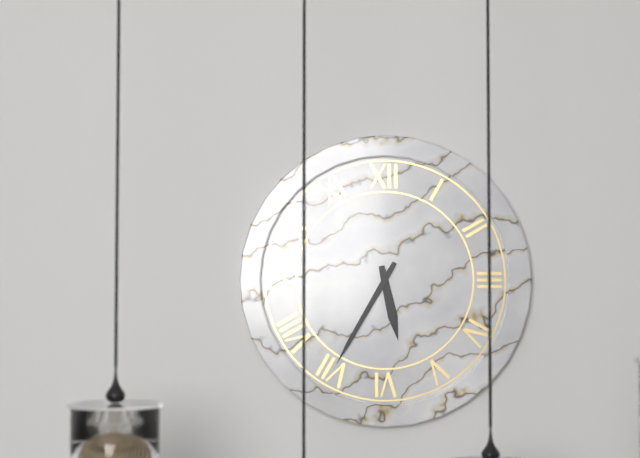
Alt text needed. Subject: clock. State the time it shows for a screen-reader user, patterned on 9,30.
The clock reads 5,35
